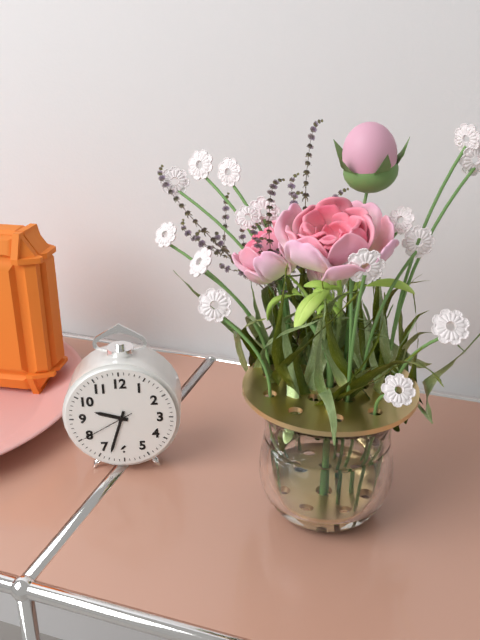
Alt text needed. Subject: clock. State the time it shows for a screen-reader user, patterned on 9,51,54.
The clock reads 9,33,40
